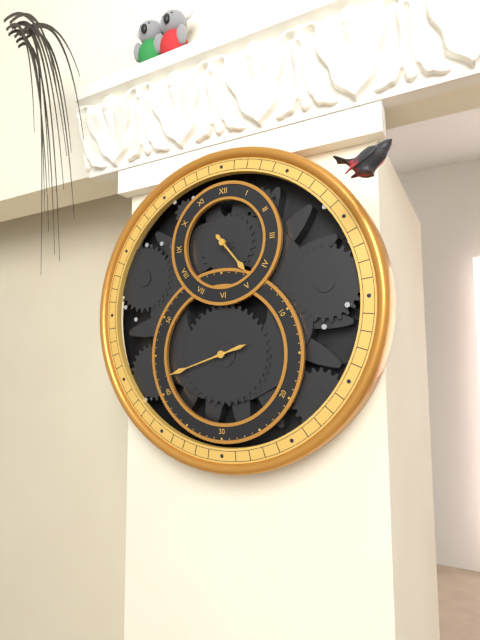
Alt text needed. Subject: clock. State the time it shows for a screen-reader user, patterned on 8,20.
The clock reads 4,42
